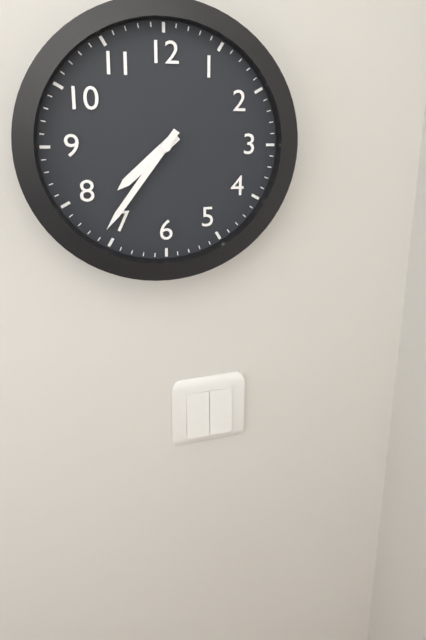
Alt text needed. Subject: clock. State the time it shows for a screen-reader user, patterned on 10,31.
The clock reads 7,36
